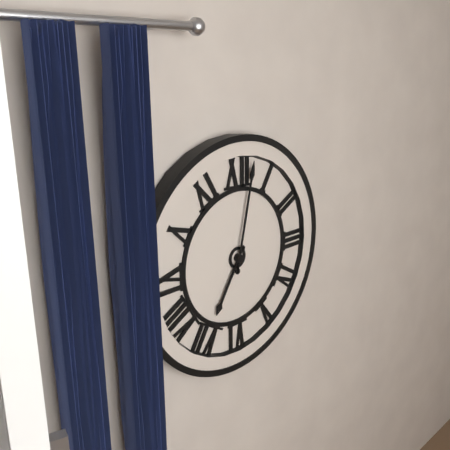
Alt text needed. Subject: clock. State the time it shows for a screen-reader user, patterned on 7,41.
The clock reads 7,02
